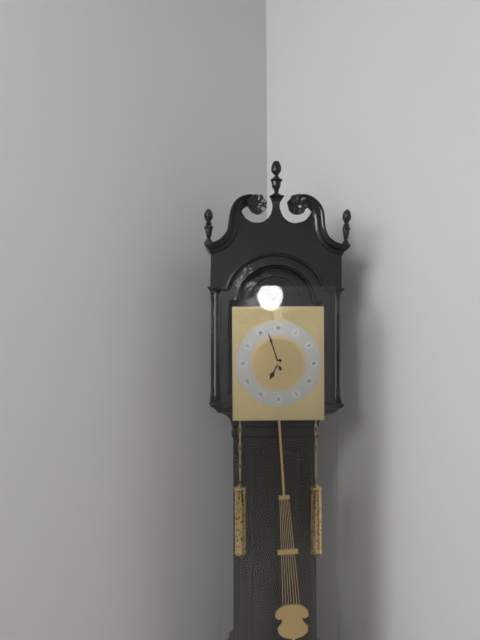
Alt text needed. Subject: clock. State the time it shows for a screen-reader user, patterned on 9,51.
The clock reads 6,57
